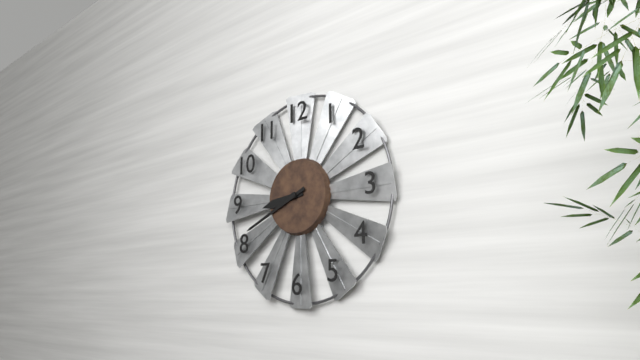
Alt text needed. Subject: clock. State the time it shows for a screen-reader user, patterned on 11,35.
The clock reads 8,41
